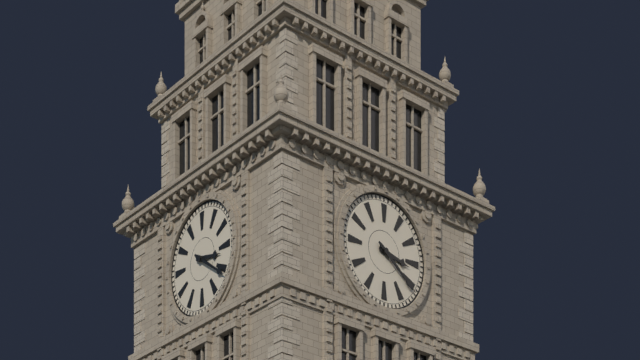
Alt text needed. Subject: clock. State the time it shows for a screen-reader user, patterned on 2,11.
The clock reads 3,21
